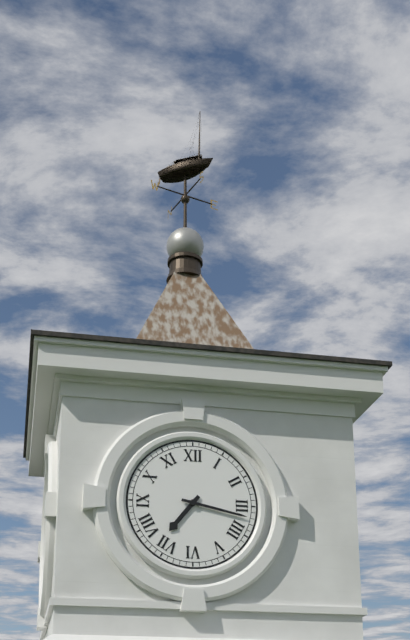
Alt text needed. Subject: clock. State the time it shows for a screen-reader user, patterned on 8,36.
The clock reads 7,17
